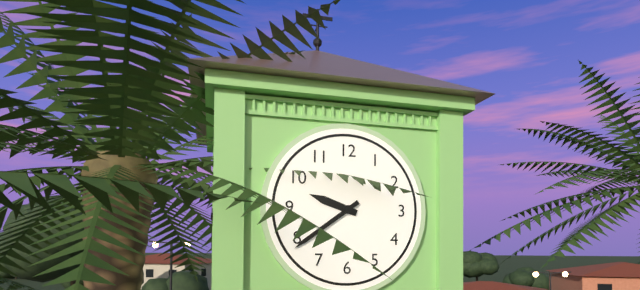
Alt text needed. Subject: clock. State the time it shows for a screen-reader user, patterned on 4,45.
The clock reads 9,39
